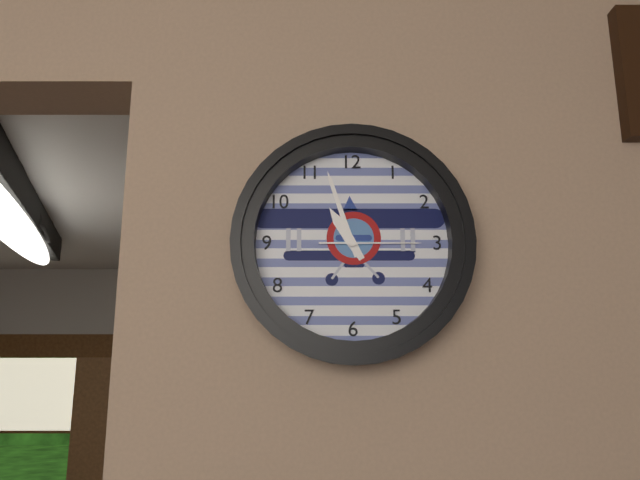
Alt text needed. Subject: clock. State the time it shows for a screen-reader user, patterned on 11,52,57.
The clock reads 10,57,15
